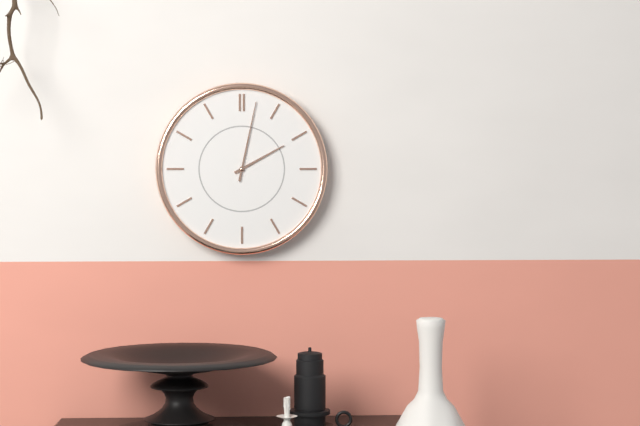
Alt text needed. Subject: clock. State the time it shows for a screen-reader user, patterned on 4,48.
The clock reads 2,02
